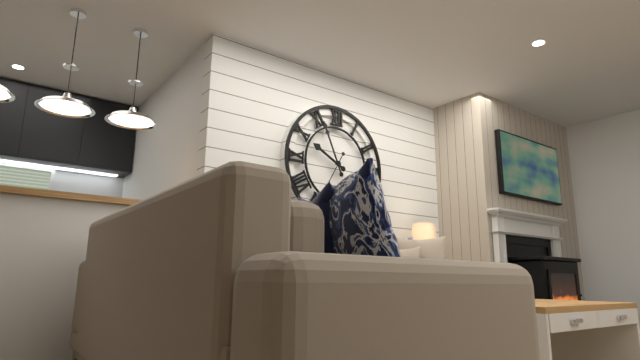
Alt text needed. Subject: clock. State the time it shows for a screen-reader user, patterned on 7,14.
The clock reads 9,56
